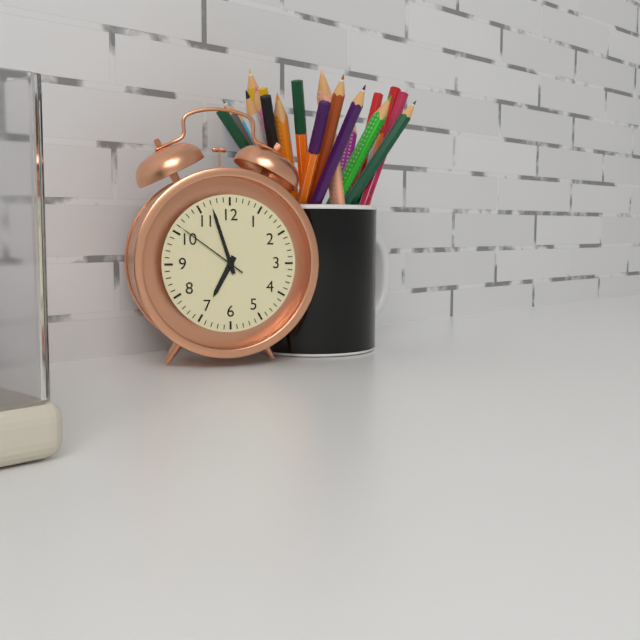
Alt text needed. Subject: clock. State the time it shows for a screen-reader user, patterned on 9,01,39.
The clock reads 6,57,51
